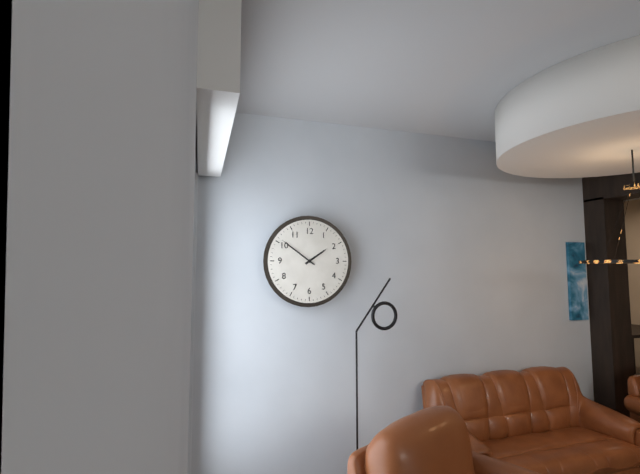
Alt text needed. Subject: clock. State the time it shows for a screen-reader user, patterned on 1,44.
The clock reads 1,51
